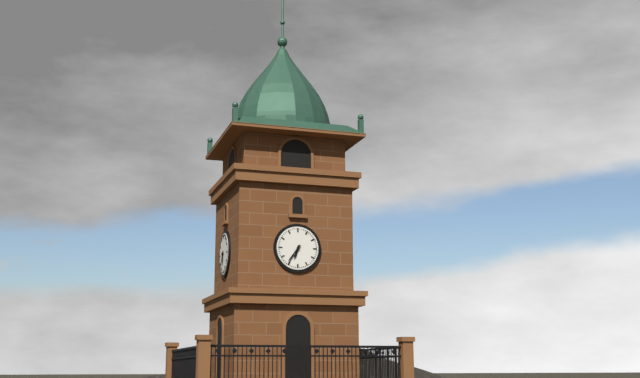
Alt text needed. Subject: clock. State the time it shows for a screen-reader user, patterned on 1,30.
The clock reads 6,36
